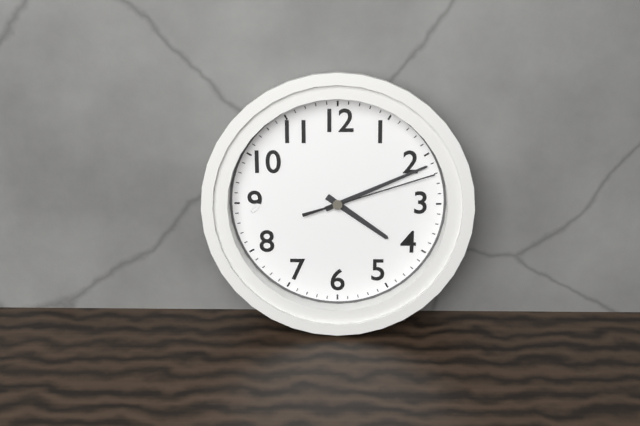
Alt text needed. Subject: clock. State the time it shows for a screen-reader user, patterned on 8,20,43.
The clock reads 4,11,12
